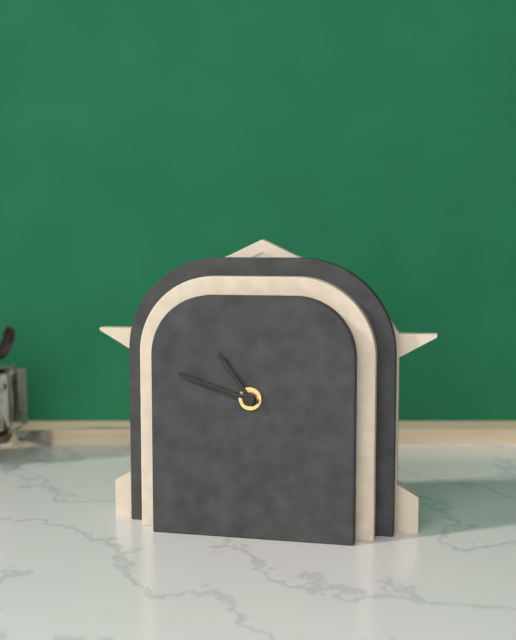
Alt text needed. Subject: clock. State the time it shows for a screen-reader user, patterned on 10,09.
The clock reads 10,48
